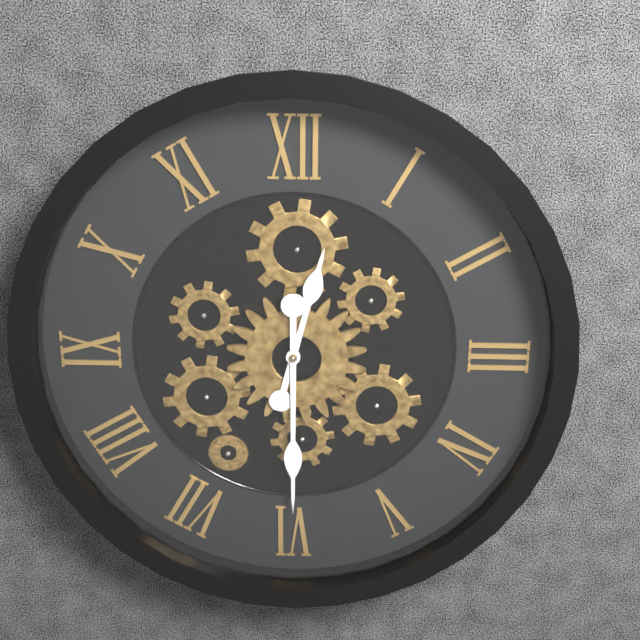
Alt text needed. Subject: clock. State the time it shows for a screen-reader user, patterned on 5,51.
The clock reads 12,30
